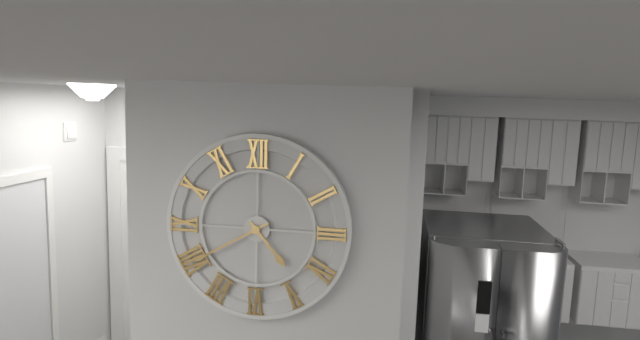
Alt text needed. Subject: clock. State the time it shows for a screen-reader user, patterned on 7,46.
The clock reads 4,40
